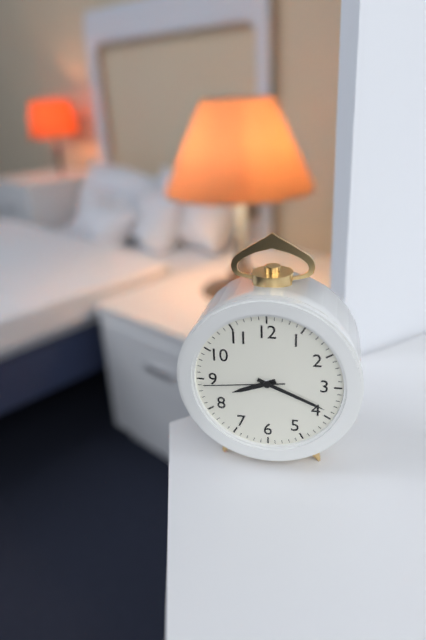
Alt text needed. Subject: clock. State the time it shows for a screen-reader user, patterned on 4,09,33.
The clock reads 8,19,44
